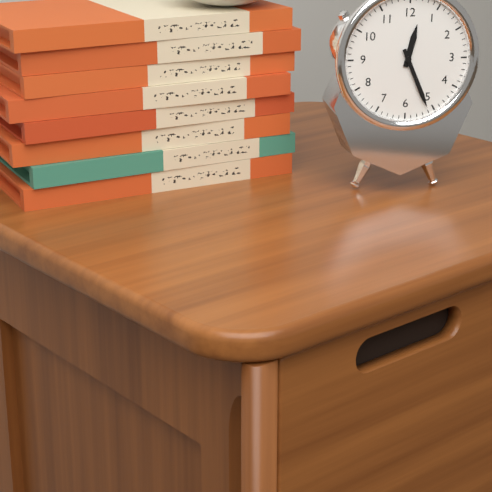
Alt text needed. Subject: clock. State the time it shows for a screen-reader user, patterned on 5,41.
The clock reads 12,26
